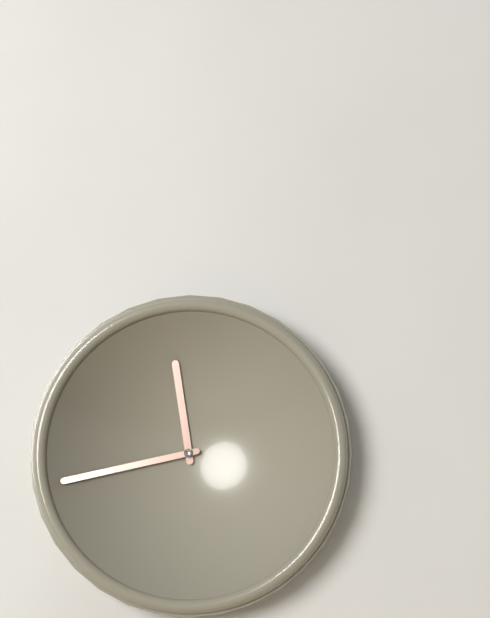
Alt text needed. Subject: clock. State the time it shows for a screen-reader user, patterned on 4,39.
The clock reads 11,43
